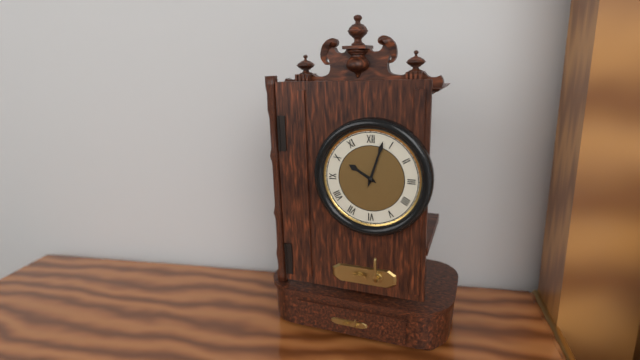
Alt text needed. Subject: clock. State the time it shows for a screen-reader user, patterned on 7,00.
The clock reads 10,03
